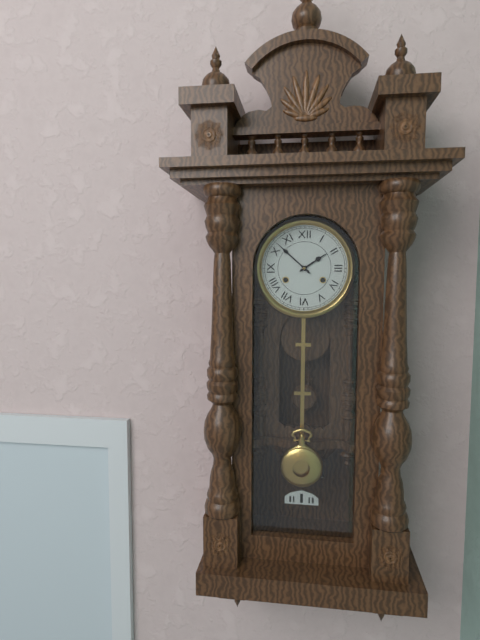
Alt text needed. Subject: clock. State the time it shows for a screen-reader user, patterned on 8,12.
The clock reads 1,52
